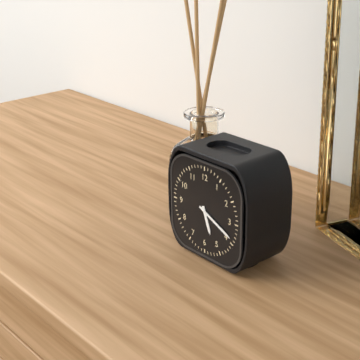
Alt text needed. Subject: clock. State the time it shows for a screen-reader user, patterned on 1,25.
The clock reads 5,19
